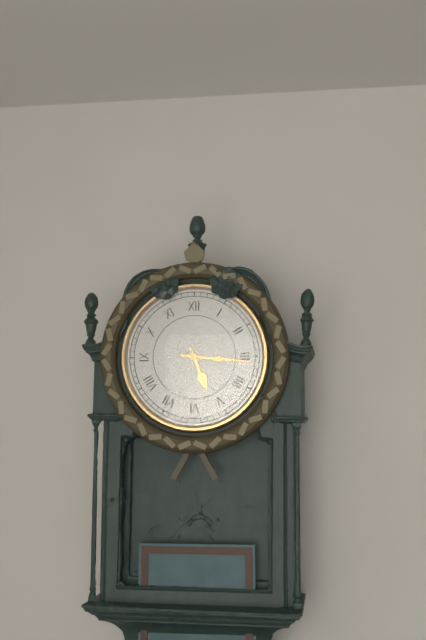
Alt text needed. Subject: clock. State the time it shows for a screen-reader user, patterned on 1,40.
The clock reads 5,16
